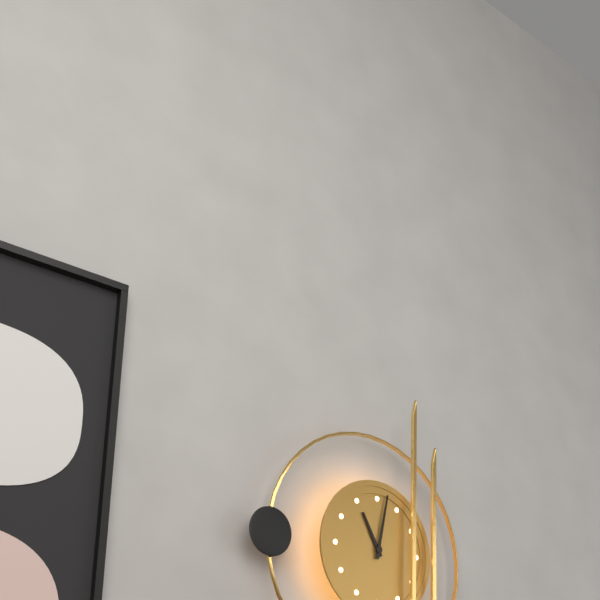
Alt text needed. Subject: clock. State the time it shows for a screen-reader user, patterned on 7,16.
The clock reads 11,02
